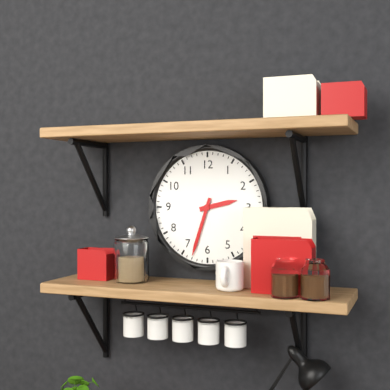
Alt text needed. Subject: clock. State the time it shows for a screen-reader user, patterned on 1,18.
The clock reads 2,33
